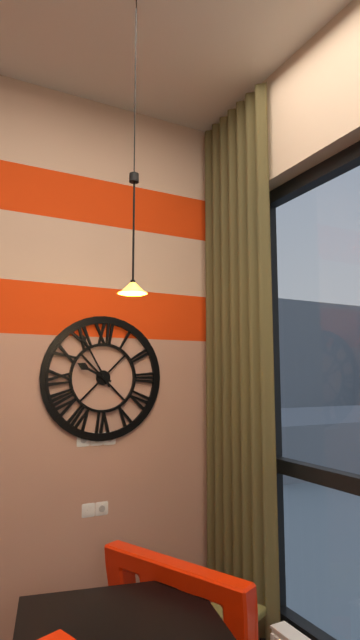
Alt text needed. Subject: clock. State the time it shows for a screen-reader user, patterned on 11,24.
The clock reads 9,55
